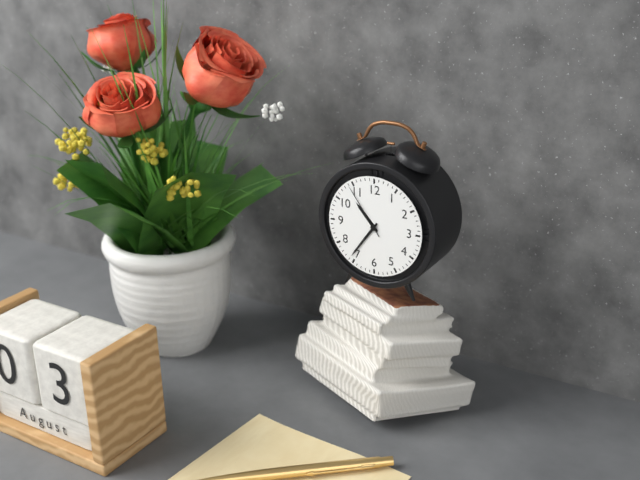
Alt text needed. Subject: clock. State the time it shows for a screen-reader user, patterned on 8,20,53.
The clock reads 10,36,54
